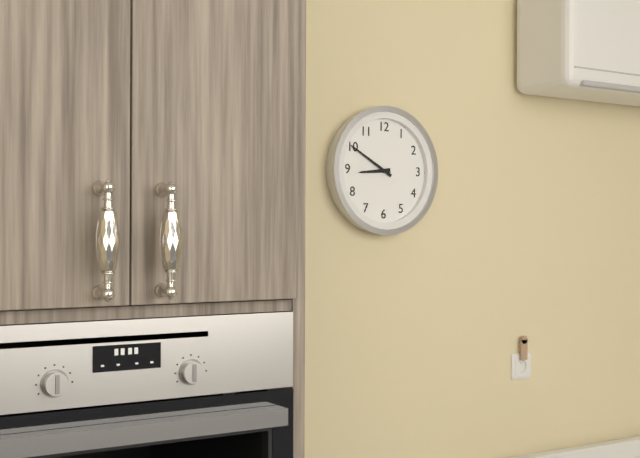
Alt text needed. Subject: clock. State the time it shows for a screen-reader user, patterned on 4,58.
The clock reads 8,50
